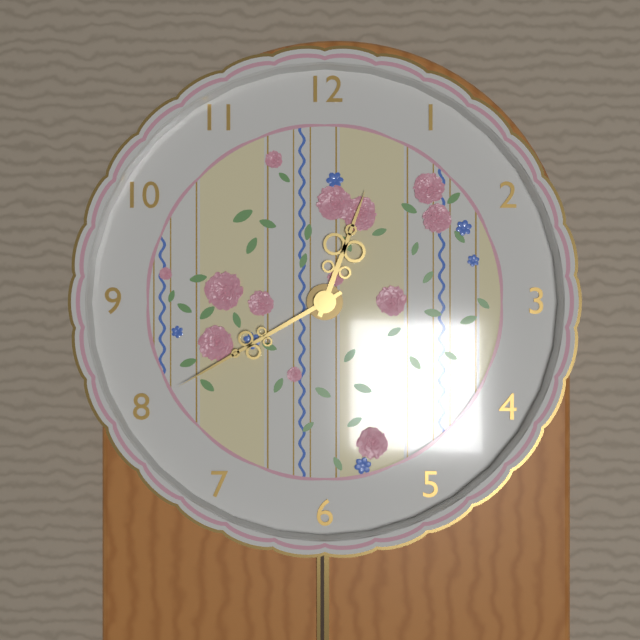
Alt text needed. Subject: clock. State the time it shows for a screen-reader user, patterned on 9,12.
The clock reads 12,40
